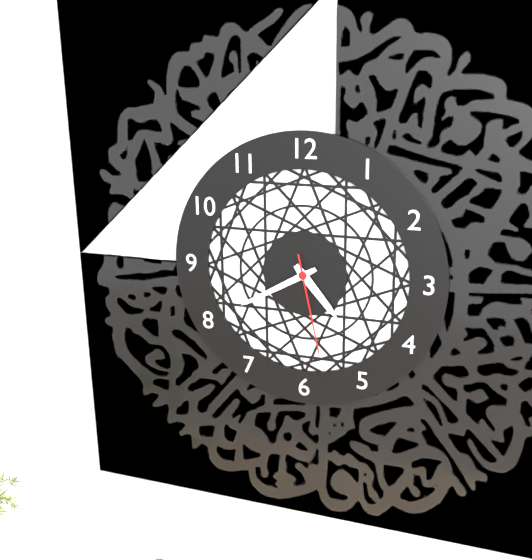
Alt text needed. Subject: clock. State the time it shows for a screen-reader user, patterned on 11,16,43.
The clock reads 4,40,28
